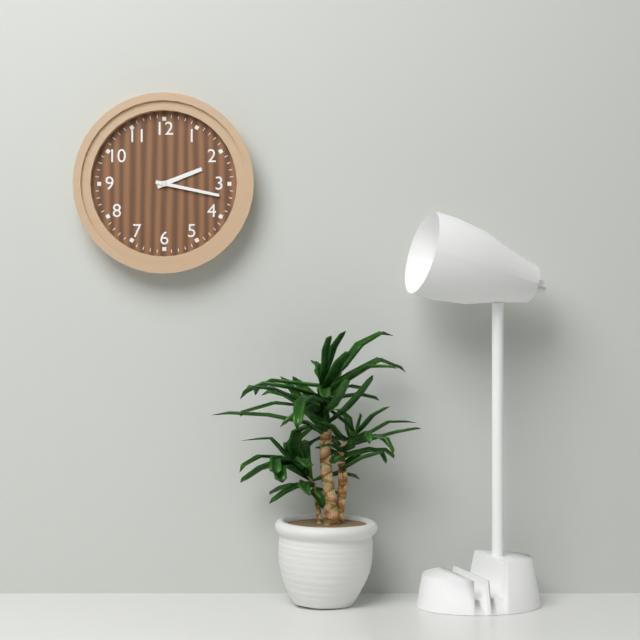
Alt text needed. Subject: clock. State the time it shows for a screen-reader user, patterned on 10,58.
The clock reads 2,17
